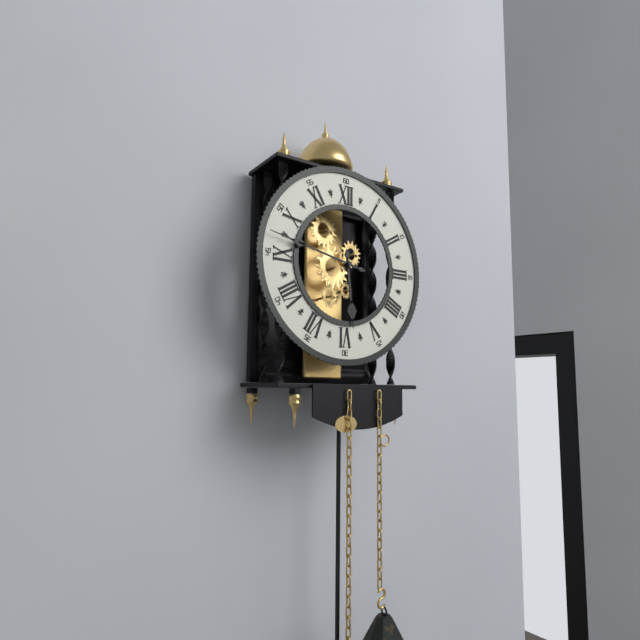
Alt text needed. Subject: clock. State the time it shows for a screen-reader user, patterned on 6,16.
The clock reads 5,47
